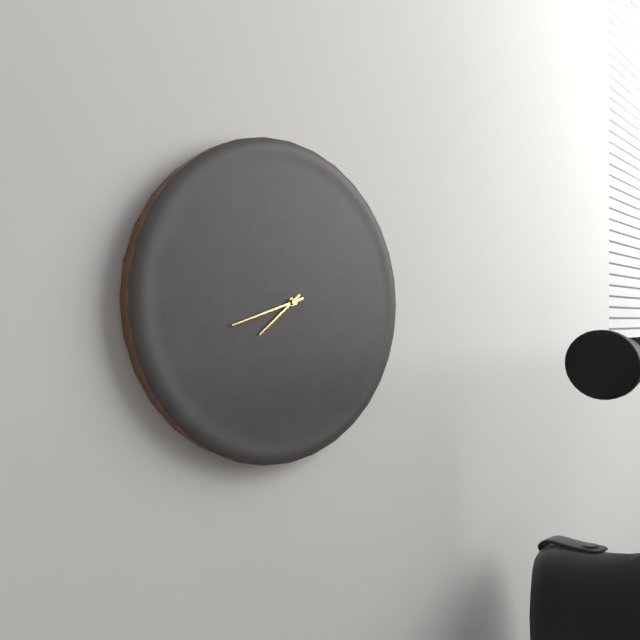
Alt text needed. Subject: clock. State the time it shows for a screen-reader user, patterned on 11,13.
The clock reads 7,42
